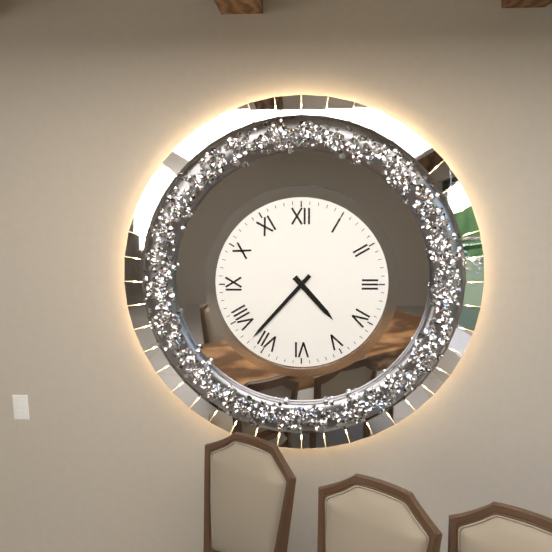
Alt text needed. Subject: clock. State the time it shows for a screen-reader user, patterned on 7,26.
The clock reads 4,37
